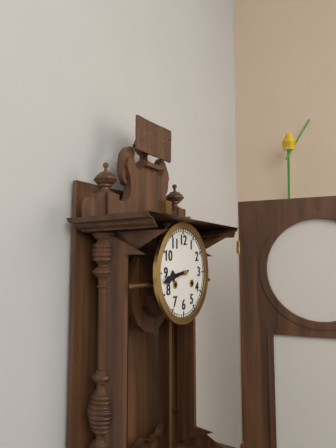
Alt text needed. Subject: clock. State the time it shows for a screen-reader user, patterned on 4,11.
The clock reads 8,43
